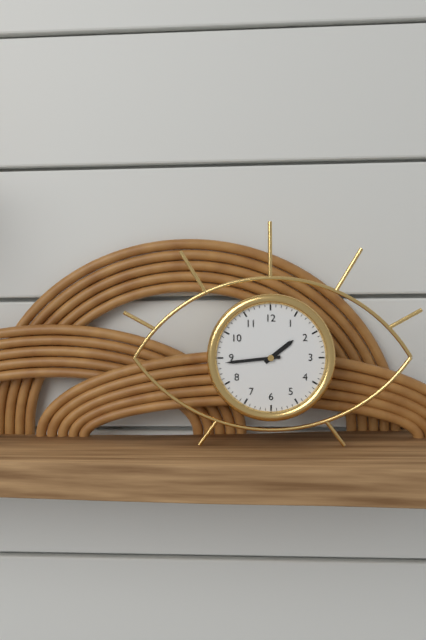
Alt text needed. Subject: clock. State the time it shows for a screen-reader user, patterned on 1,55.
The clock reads 1,44
